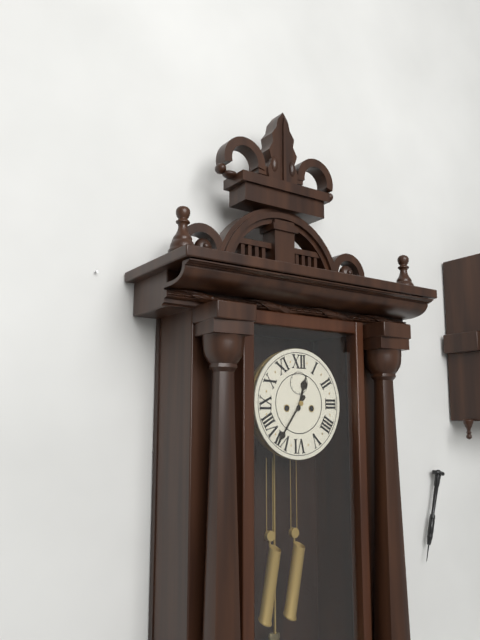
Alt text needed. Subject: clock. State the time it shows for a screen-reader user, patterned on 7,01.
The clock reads 12,36
